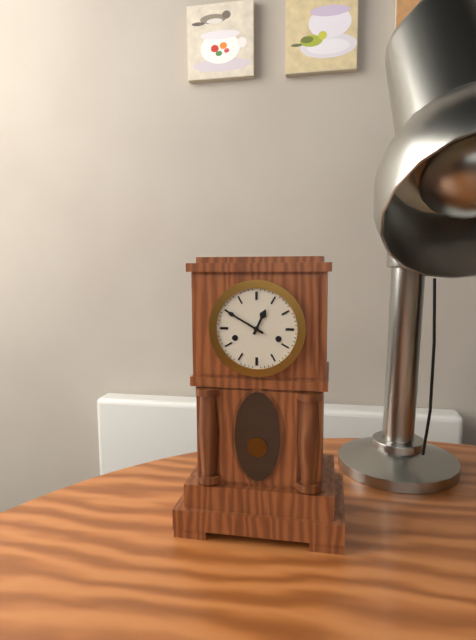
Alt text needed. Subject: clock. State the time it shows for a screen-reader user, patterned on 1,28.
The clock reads 12,50
